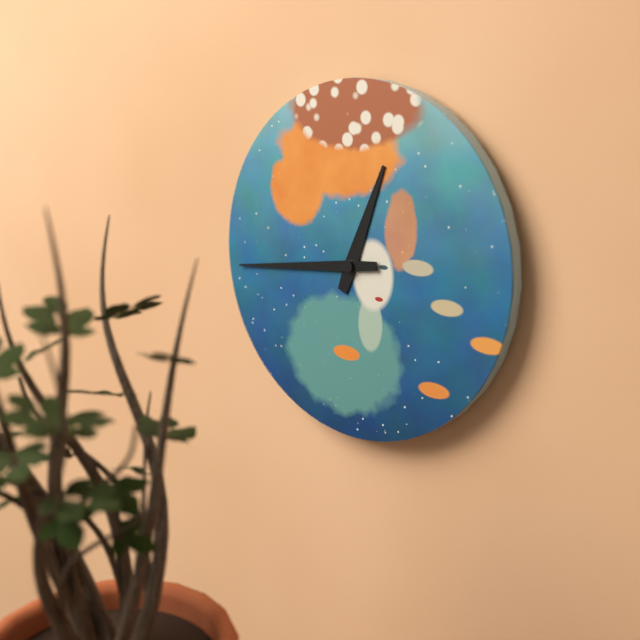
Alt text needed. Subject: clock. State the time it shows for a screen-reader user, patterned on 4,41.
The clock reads 12,44
